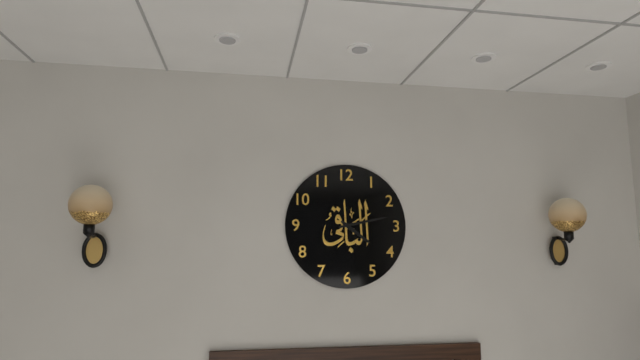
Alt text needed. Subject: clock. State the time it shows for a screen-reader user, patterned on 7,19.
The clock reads 4,13
